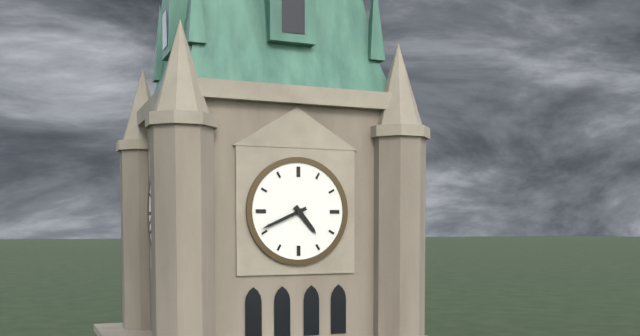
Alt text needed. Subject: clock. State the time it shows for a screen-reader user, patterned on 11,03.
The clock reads 4,41
